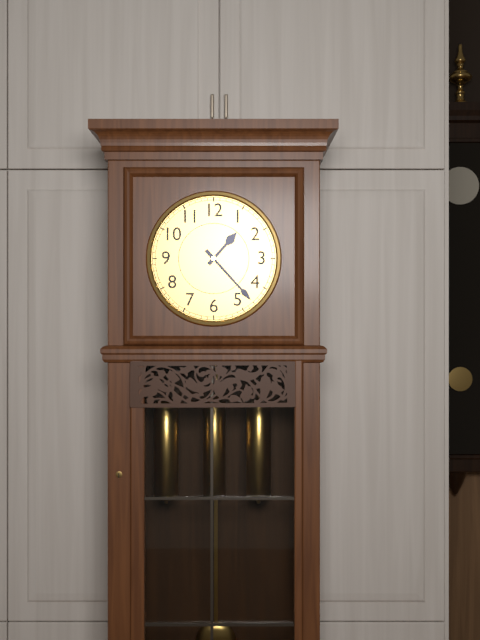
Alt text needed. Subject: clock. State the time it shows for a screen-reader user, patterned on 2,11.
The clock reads 1,23
